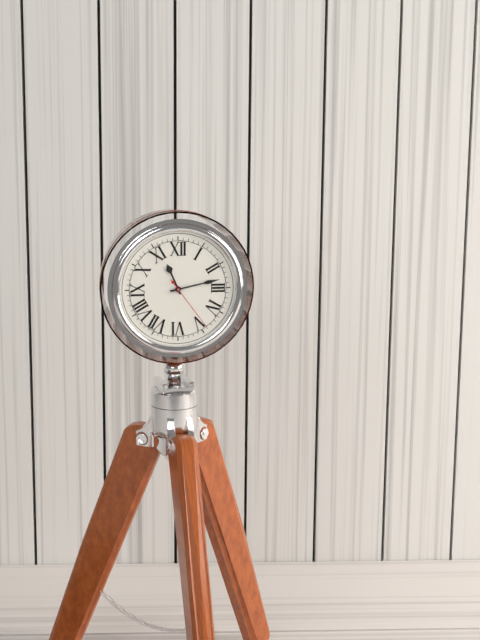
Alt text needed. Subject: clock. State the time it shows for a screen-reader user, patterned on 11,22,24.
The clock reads 11,13,24
